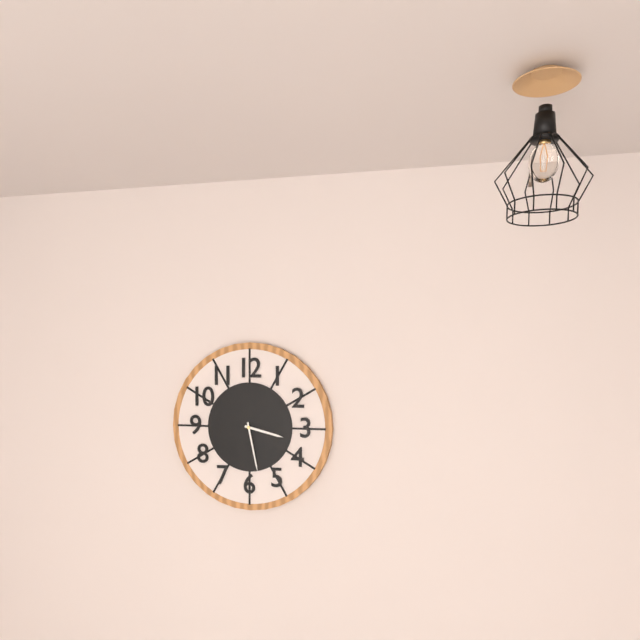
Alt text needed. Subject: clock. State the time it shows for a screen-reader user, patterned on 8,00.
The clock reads 3,28
